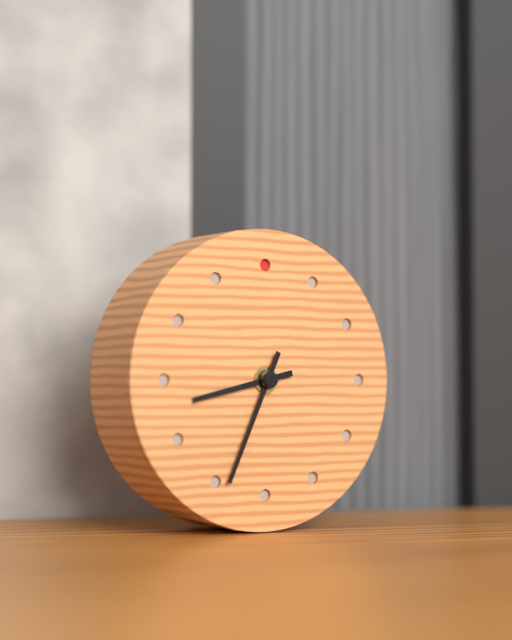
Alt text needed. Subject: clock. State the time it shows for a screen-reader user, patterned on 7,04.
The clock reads 8,34
